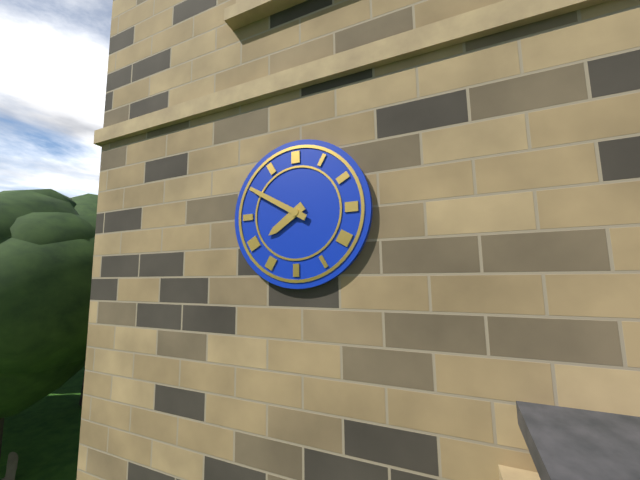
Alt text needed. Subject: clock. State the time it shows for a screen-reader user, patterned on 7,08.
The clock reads 7,50
